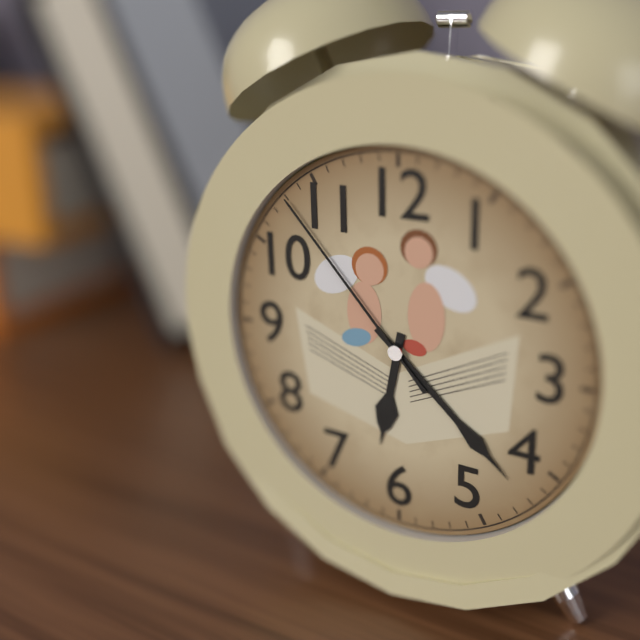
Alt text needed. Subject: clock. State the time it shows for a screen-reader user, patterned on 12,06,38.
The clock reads 6,22,53
